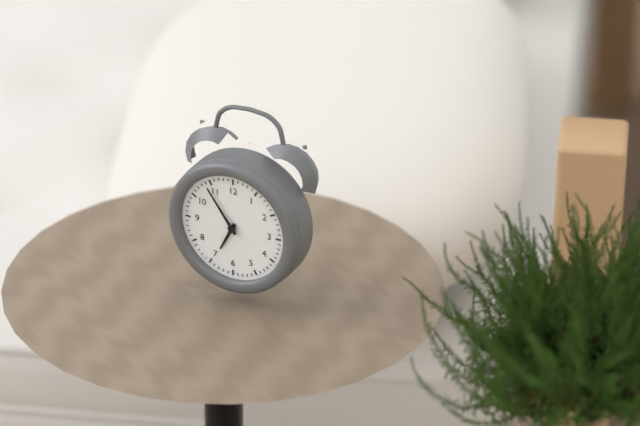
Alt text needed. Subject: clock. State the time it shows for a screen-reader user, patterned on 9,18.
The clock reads 6,54
